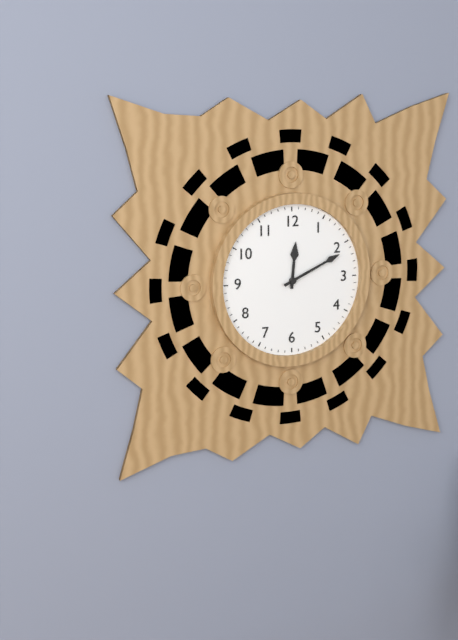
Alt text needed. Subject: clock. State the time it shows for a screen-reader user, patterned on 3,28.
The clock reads 12,11
